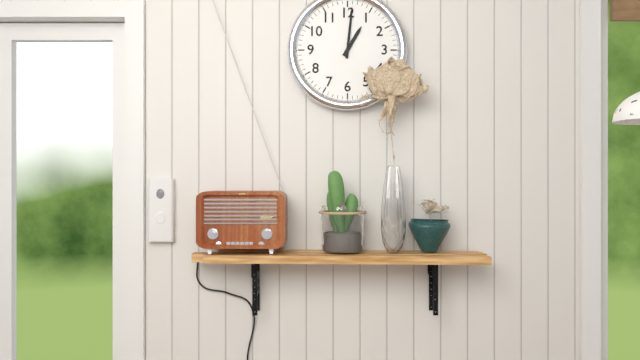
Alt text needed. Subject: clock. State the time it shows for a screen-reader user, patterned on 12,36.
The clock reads 1,01
